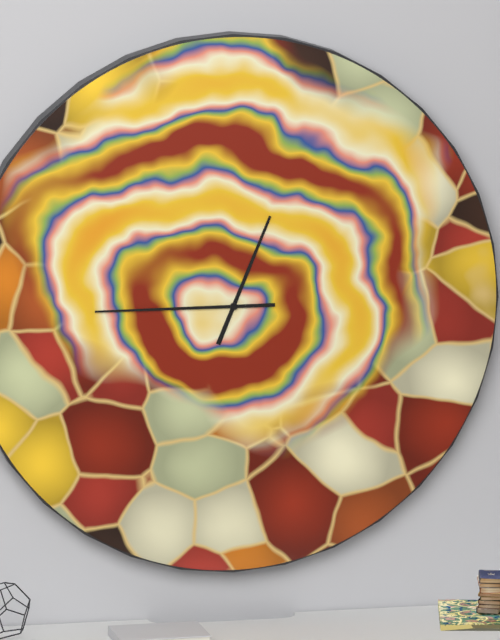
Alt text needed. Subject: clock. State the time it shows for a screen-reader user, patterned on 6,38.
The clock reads 12,45
